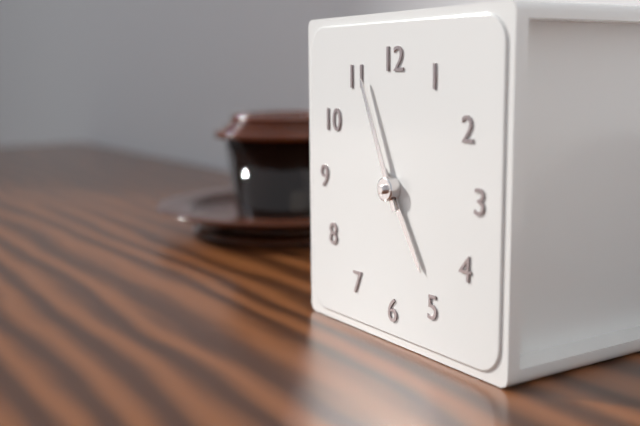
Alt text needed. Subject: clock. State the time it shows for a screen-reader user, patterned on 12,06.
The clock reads 4,56
